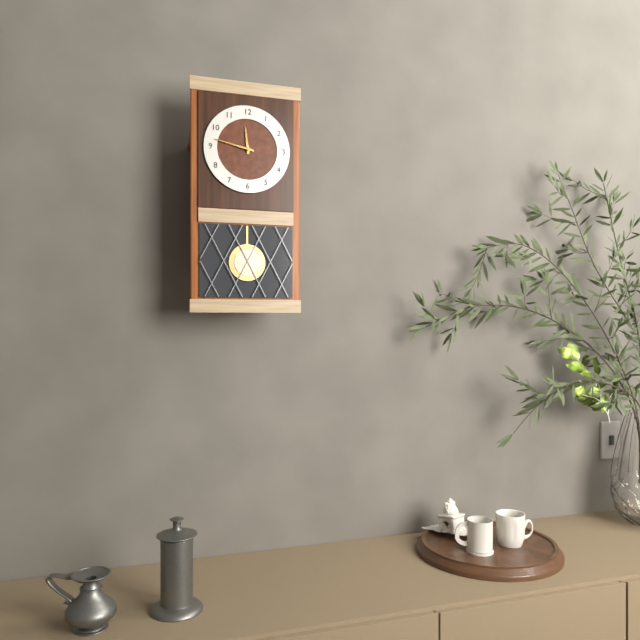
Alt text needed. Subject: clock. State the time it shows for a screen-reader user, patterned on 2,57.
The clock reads 11,47
